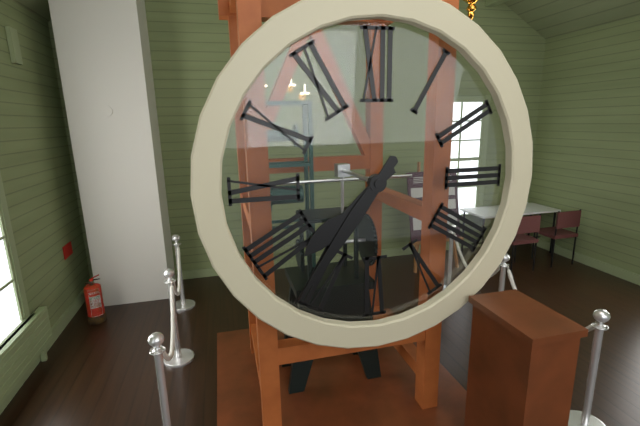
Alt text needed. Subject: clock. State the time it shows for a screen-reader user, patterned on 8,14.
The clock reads 7,36
